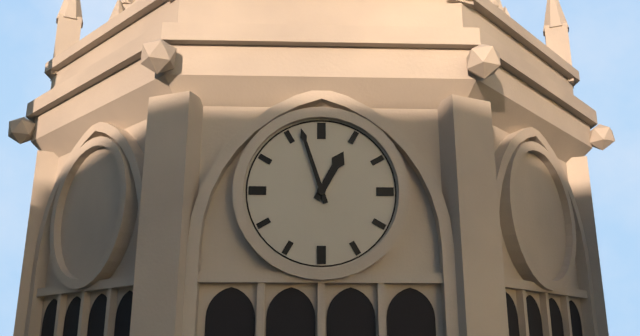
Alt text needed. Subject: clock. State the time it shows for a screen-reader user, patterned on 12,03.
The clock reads 12,57
